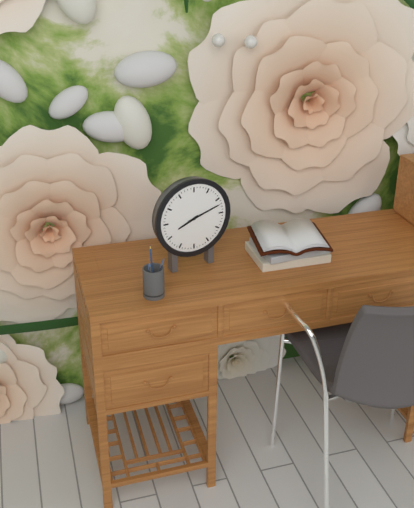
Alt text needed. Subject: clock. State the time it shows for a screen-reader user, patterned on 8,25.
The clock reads 8,12
